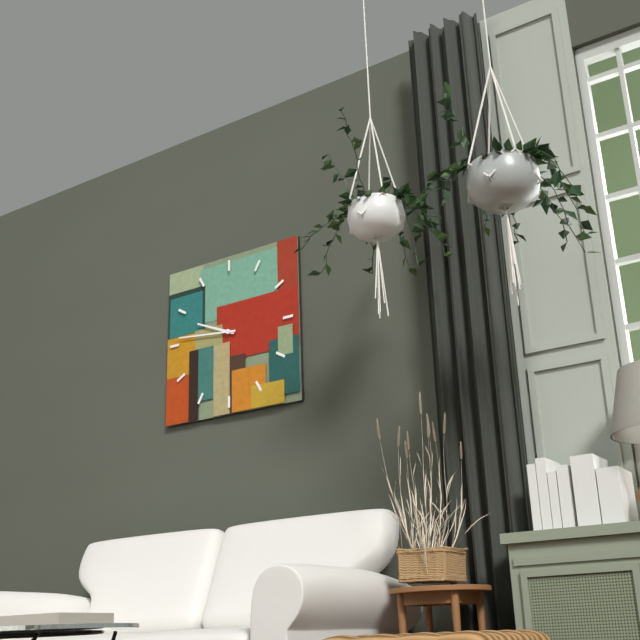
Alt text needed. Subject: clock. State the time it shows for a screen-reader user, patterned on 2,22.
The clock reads 9,46
